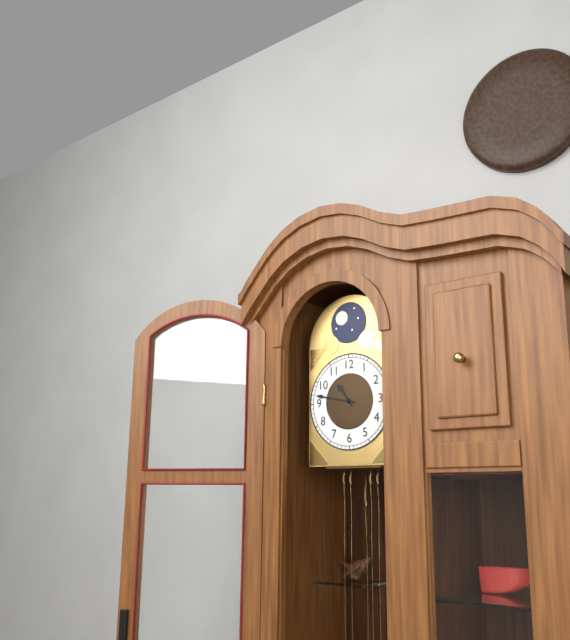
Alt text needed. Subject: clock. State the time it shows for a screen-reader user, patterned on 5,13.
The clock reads 10,47
